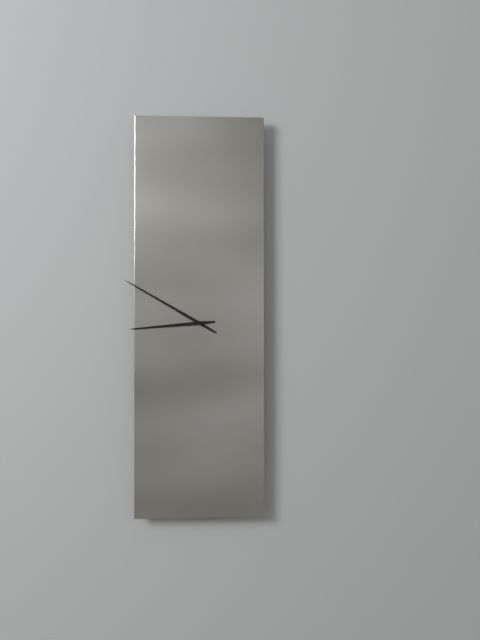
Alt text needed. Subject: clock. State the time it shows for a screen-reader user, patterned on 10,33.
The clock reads 8,50
